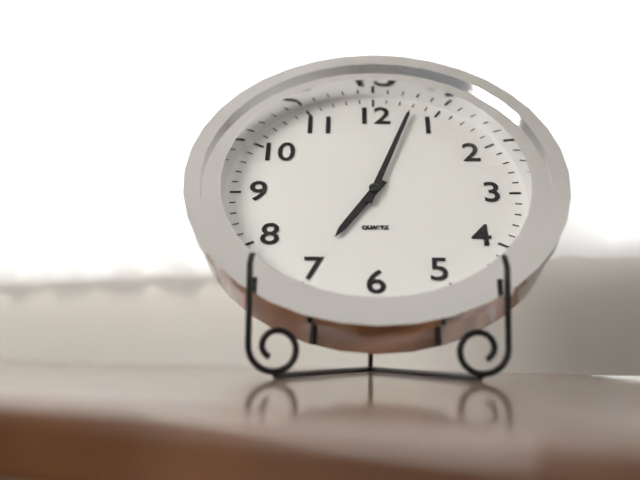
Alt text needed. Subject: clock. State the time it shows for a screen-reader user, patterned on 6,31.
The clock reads 7,03
